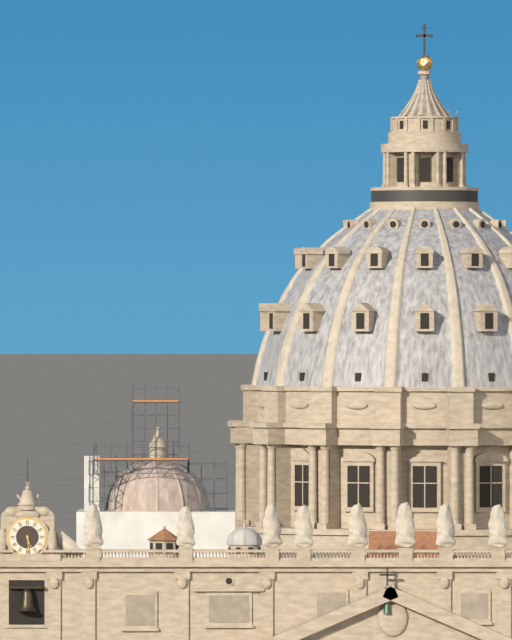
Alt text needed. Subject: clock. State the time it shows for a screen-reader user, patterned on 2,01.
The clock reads 5,29
